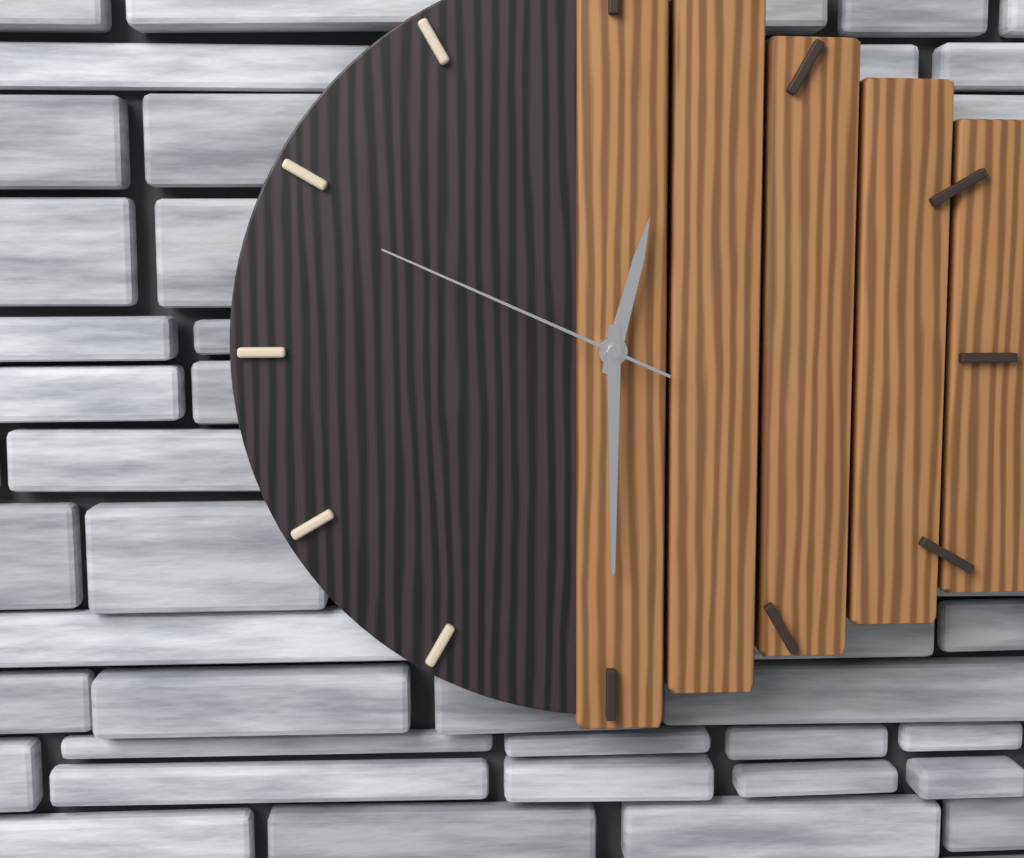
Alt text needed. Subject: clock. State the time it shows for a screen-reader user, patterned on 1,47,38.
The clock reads 12,30,49
